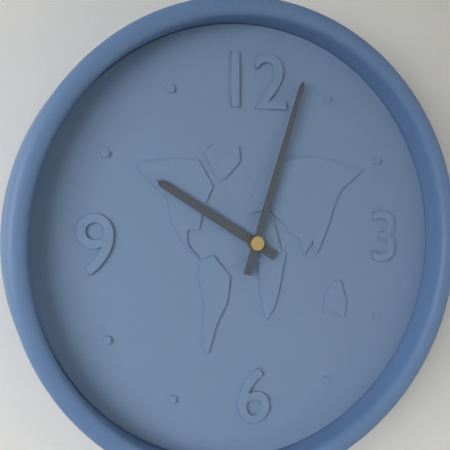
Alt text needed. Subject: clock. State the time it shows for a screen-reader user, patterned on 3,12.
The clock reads 10,03
